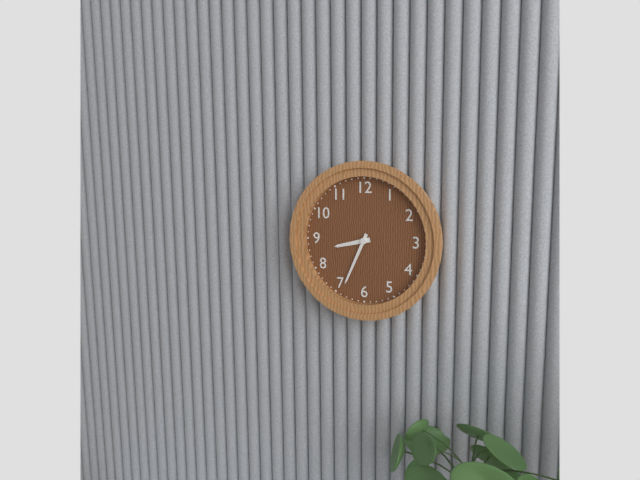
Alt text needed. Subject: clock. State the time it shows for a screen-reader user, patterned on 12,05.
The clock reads 8,34
